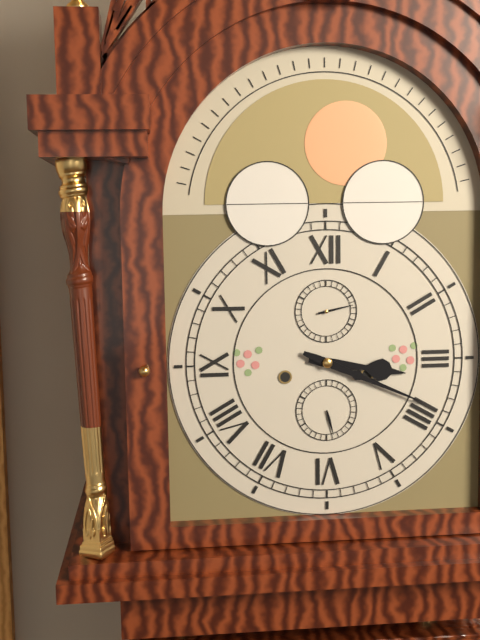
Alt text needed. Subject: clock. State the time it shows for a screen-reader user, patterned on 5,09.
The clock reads 3,19
